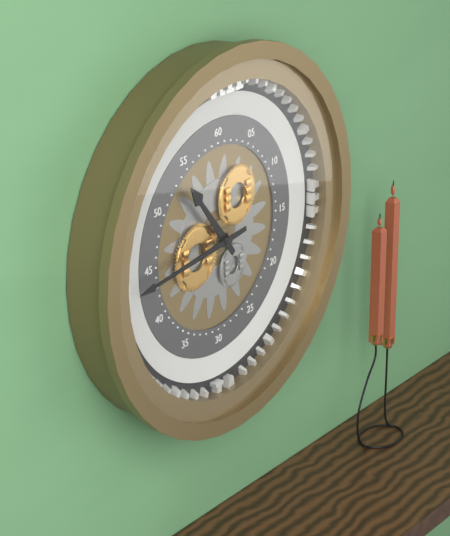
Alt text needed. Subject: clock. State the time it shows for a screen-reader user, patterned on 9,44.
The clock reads 10,44
